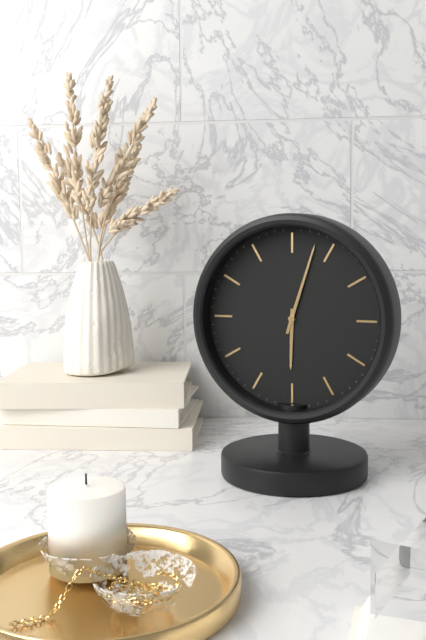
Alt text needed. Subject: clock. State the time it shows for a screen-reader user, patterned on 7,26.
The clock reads 6,03
